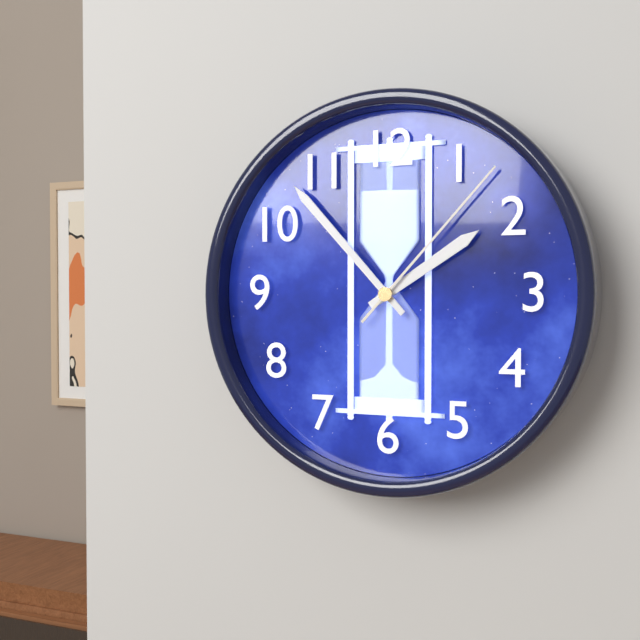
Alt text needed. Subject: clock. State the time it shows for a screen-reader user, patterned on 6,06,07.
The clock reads 1,53,07
